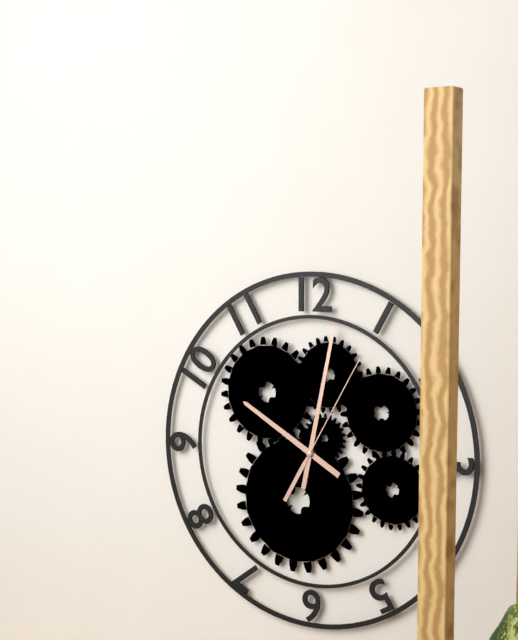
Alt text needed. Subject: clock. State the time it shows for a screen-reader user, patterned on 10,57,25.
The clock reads 10,02,05
